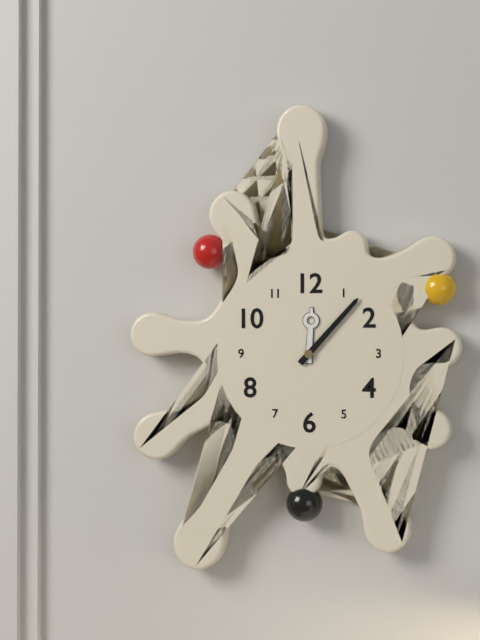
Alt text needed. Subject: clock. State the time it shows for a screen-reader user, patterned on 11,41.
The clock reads 12,07
